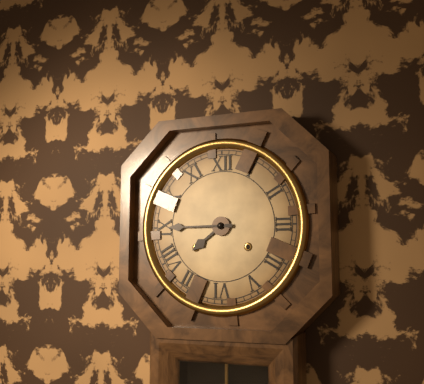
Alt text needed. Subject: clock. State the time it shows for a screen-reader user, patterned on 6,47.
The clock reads 7,45
